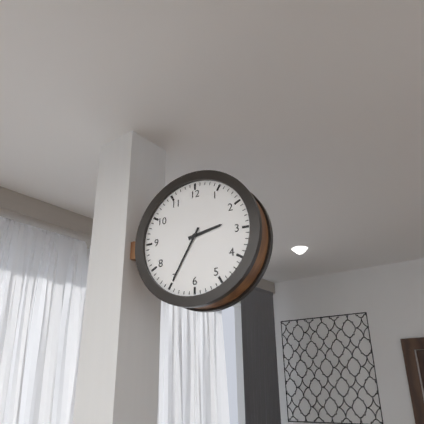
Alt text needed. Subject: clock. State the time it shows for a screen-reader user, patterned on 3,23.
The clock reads 2,35
